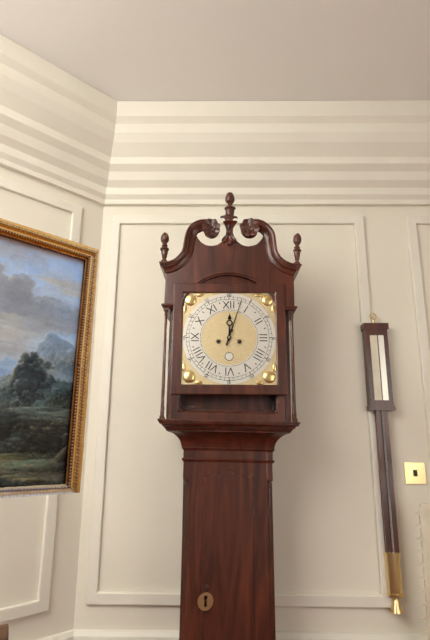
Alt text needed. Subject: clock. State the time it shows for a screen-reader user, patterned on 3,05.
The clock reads 12,03
